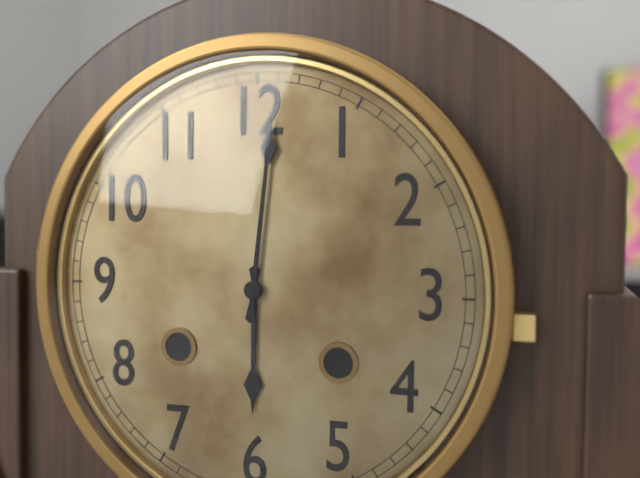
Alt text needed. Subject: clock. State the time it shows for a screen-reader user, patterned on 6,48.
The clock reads 6,01
